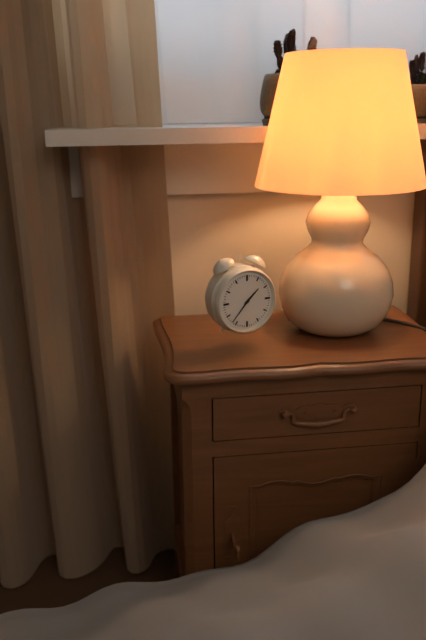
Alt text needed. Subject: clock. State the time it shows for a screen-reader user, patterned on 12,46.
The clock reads 1,37
